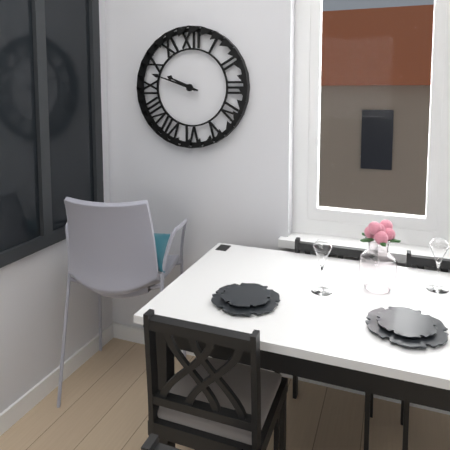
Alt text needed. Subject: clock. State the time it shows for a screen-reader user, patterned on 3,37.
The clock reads 9,48
